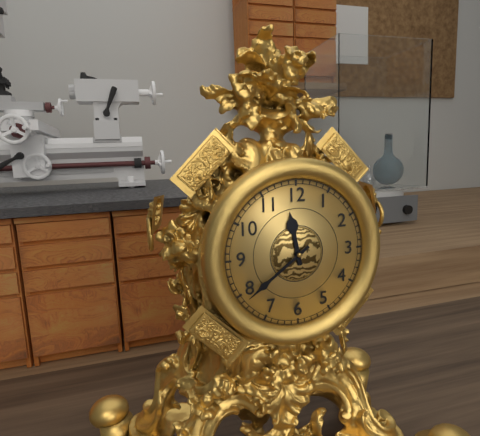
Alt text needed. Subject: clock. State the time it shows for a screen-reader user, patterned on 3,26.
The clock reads 11,39
